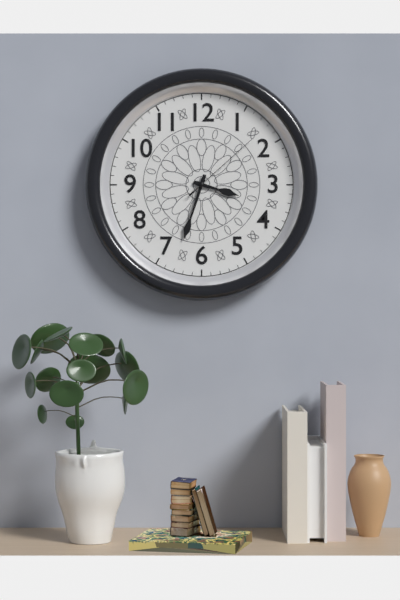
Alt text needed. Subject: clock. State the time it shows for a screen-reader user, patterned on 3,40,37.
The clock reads 3,33,08
